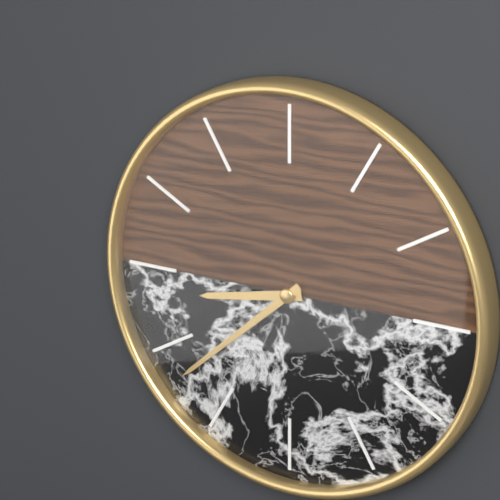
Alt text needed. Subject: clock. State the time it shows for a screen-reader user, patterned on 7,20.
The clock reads 8,38
